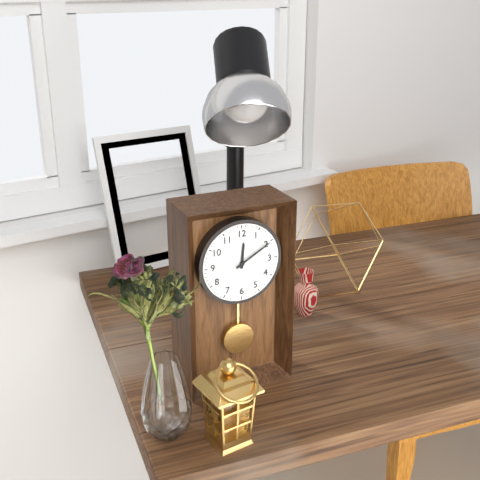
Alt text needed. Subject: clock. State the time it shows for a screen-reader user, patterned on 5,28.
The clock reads 12,10
